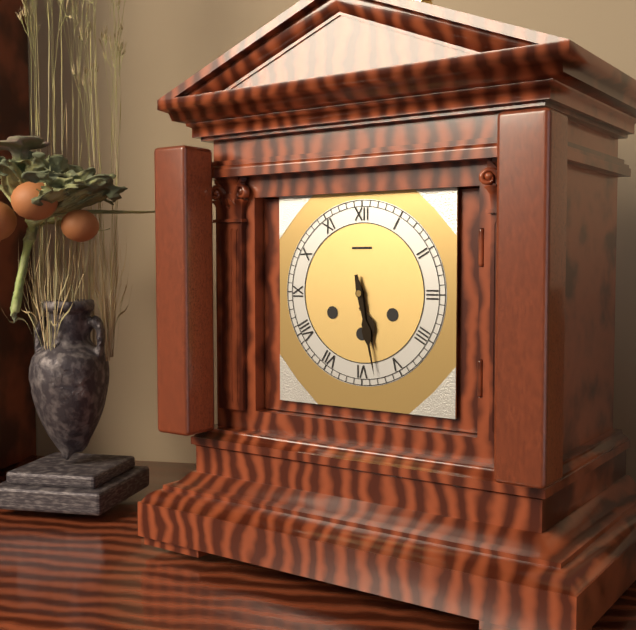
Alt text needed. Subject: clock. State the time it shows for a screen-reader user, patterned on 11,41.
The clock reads 5,28
